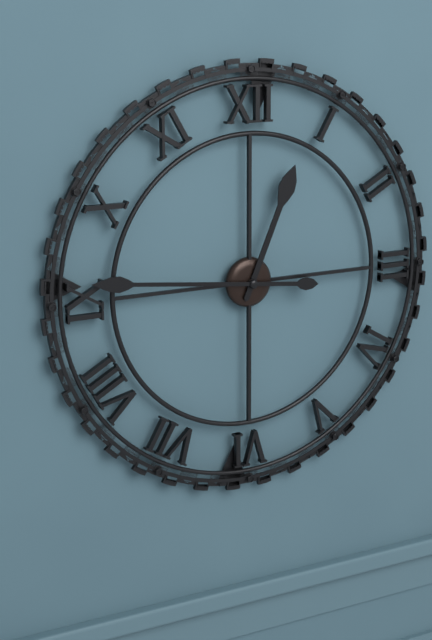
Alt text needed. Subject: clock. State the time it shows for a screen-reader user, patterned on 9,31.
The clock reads 12,46
